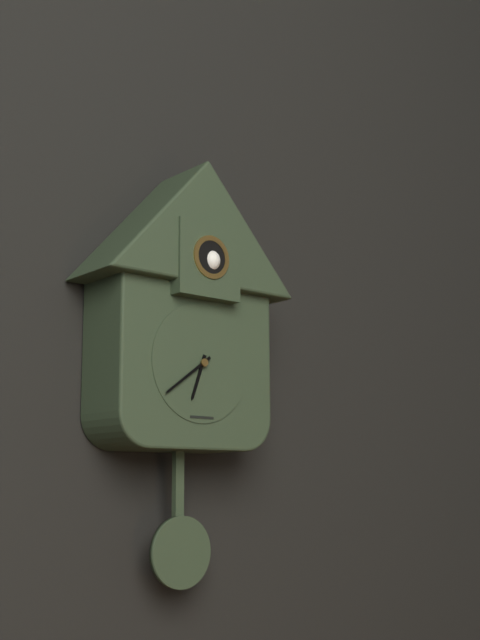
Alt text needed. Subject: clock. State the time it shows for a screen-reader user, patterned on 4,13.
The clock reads 6,39
